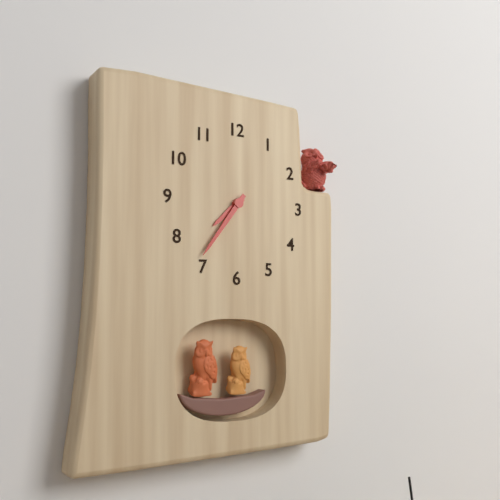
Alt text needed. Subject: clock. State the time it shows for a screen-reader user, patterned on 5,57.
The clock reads 7,36
